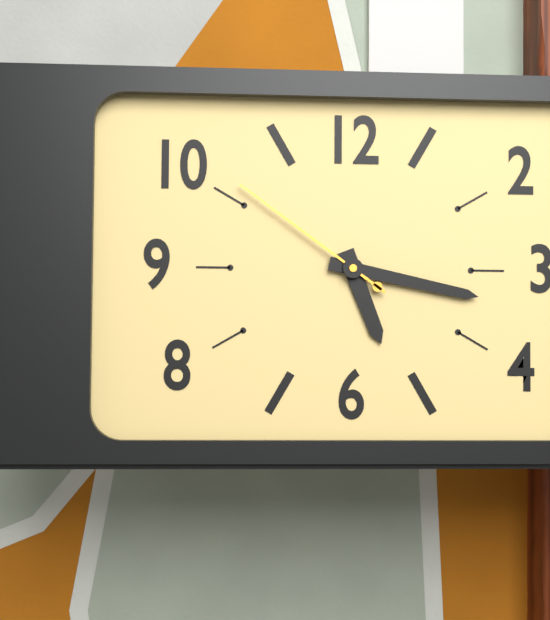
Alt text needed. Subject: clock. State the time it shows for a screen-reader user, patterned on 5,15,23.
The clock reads 5,17,51
